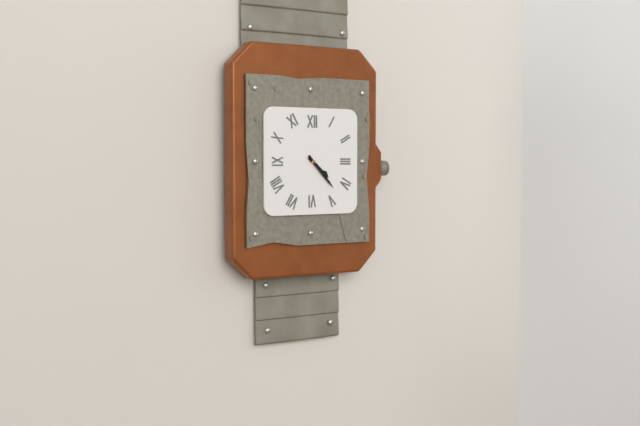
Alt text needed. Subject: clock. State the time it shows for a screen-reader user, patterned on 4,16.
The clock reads 4,23
